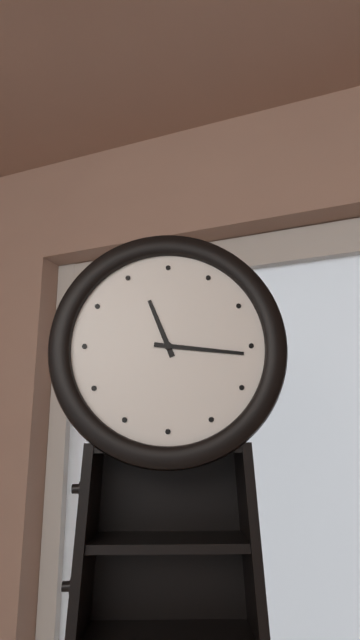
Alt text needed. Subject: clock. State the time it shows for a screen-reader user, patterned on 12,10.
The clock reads 11,16
